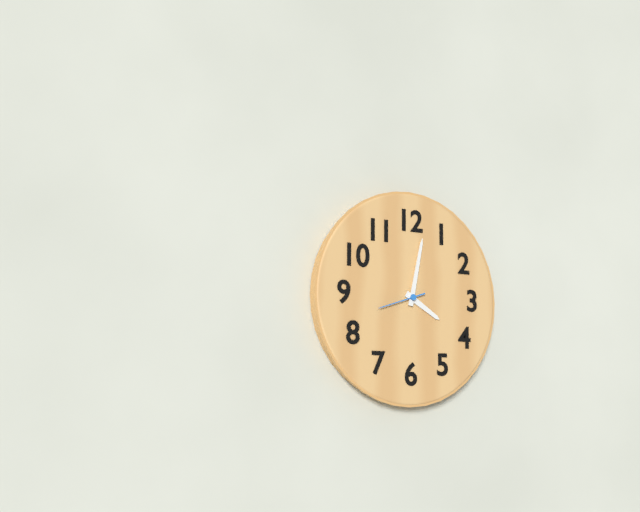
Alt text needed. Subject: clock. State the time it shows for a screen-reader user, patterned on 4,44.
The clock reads 4,02
